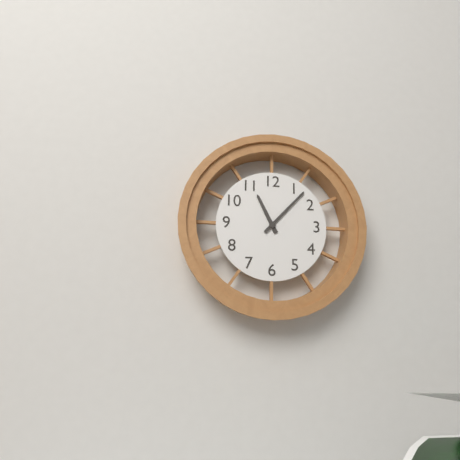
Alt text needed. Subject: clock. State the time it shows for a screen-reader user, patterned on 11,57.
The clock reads 11,07
